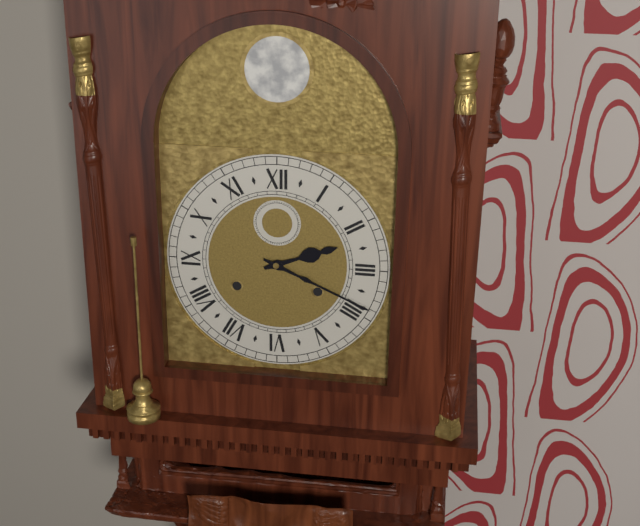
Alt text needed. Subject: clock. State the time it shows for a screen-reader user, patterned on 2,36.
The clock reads 2,19
